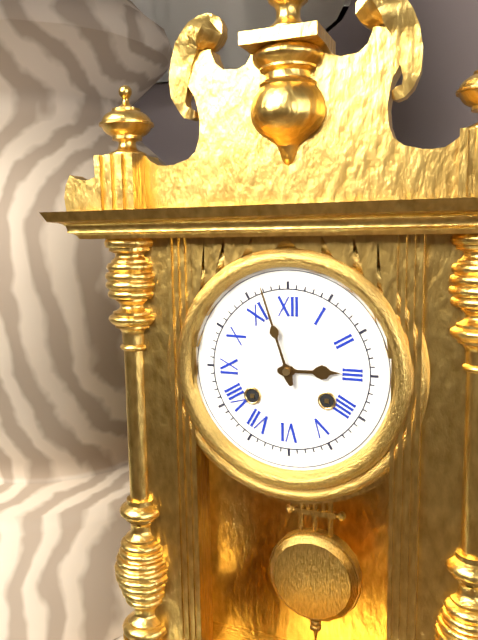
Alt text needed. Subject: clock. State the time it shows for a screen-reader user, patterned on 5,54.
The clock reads 2,57
